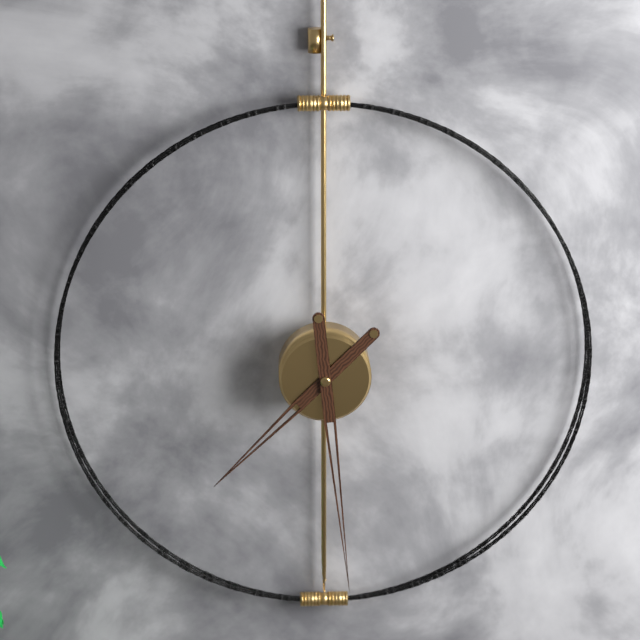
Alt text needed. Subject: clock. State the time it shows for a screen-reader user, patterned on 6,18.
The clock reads 7,29
